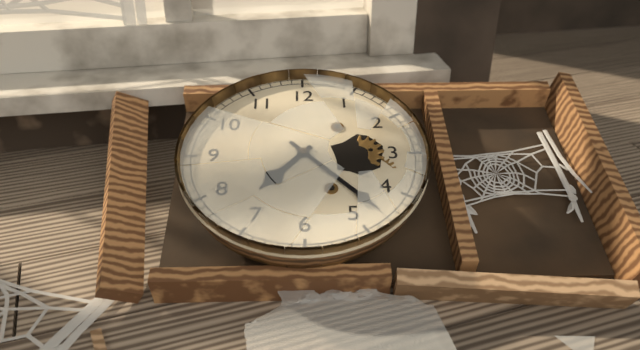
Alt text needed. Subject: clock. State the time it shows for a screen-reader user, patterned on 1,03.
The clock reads 7,23
